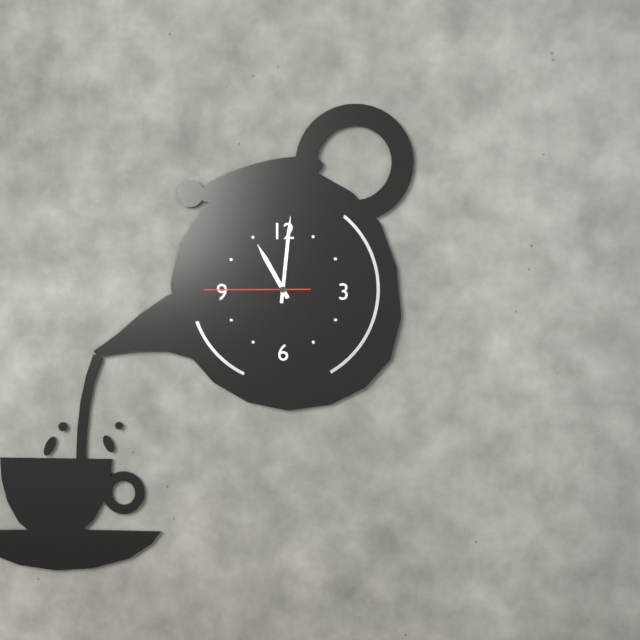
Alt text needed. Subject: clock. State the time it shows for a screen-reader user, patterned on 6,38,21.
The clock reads 11,01,45
